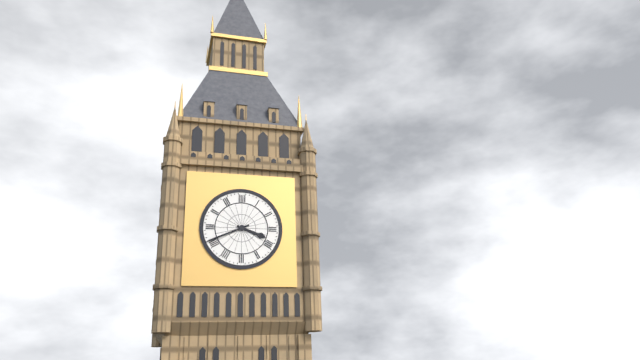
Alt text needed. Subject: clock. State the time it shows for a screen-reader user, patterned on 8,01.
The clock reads 3,41
